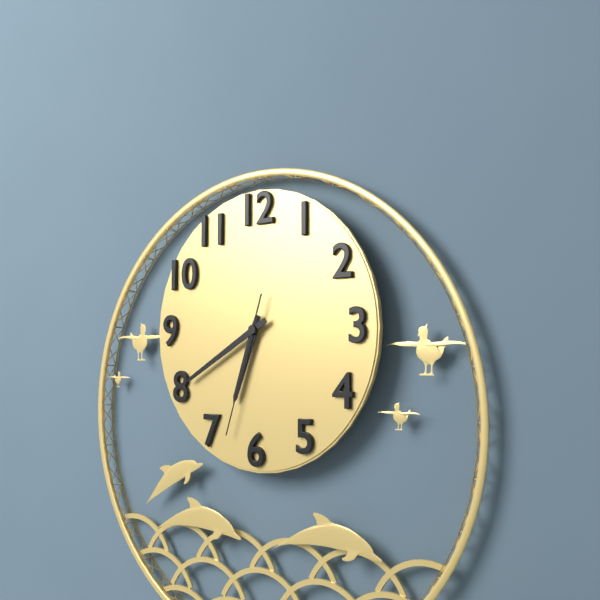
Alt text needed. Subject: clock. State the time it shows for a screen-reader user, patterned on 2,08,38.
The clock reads 6,40,33
